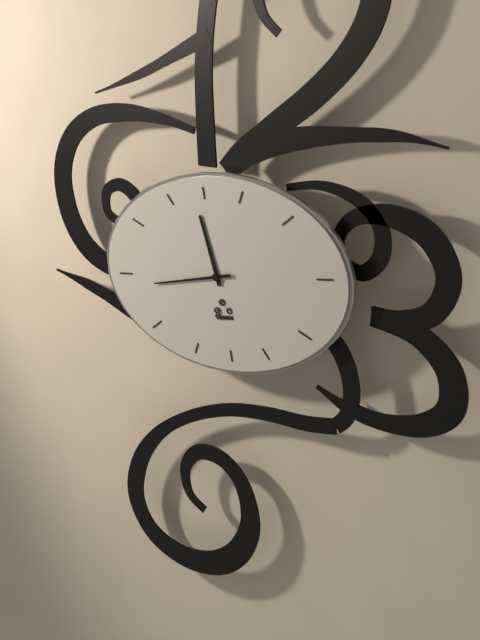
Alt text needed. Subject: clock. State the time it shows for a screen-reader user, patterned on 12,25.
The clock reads 11,44
